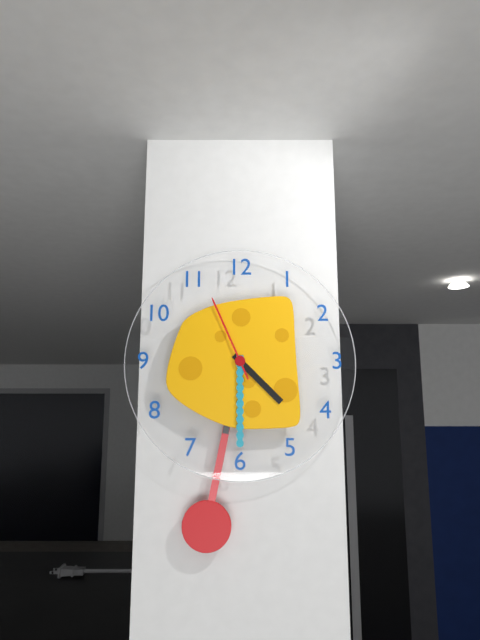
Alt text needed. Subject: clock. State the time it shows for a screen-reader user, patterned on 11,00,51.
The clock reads 4,30,56
